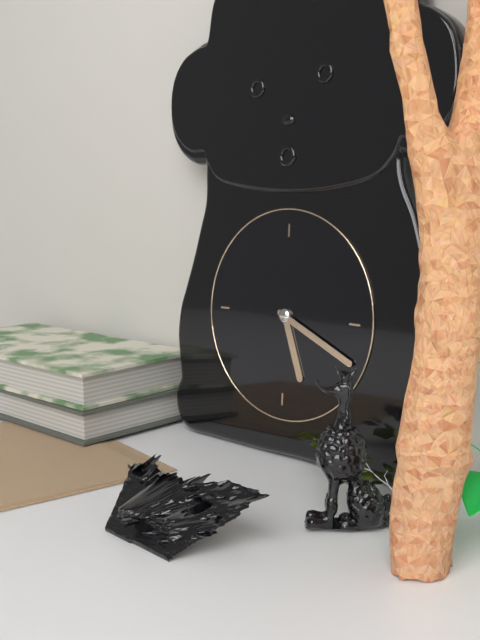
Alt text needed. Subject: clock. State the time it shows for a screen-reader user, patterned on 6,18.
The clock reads 5,19
